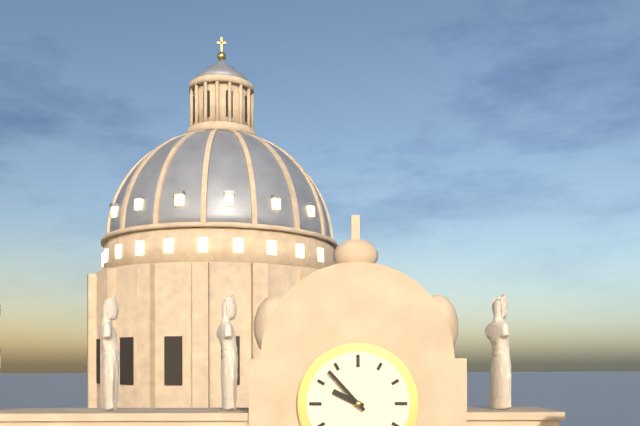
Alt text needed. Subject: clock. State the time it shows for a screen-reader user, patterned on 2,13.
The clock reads 9,53
